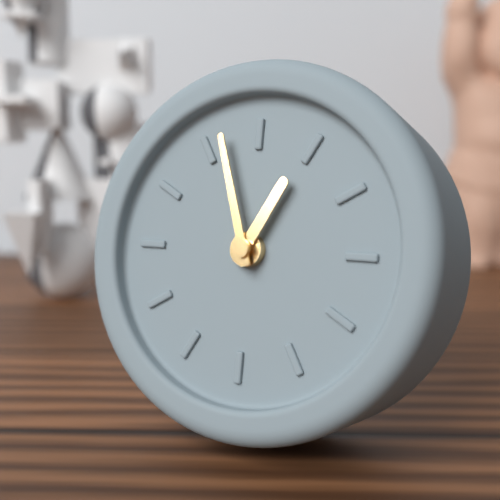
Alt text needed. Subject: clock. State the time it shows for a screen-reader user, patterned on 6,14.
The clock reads 12,57
